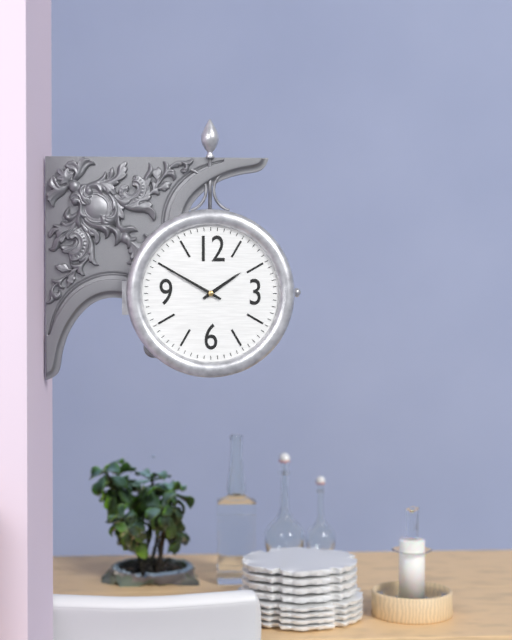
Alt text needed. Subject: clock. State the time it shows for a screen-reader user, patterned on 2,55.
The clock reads 1,50
